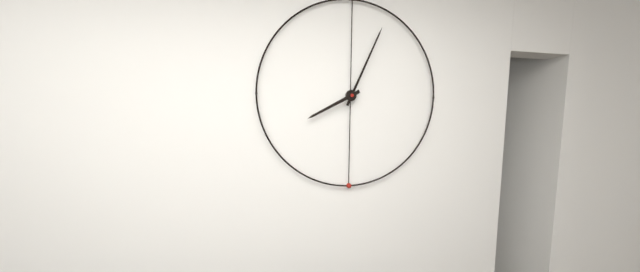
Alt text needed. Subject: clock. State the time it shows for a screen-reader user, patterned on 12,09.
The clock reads 8,04
